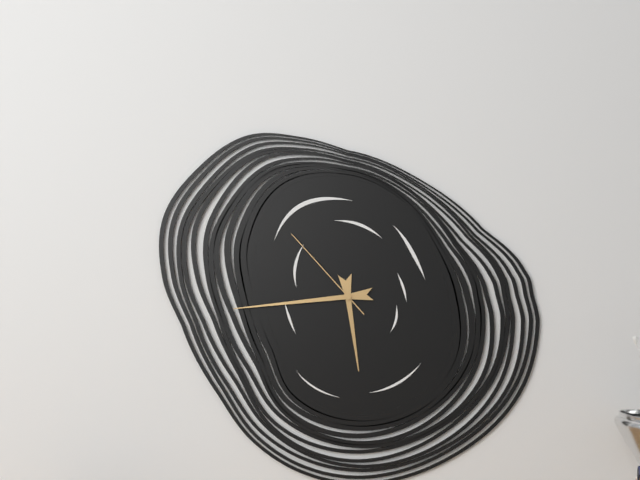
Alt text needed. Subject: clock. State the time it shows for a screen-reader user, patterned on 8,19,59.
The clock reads 5,44,53
